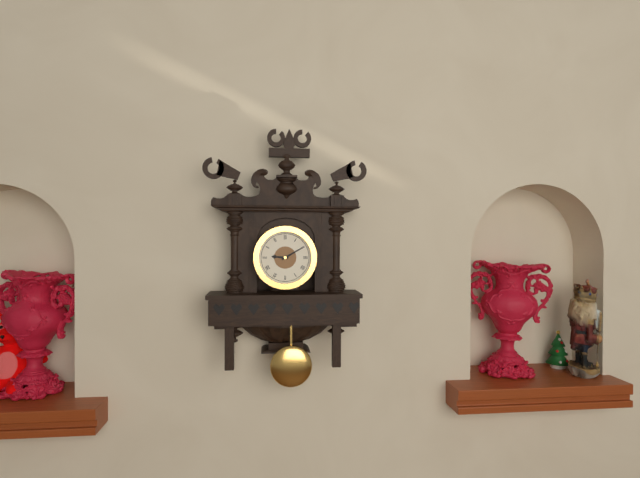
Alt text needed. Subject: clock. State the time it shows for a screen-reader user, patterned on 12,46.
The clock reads 9,10
